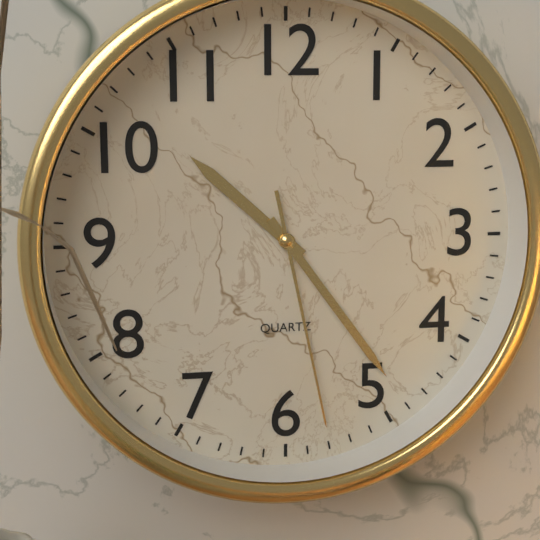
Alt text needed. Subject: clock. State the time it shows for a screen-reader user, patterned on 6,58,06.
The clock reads 10,24,28
